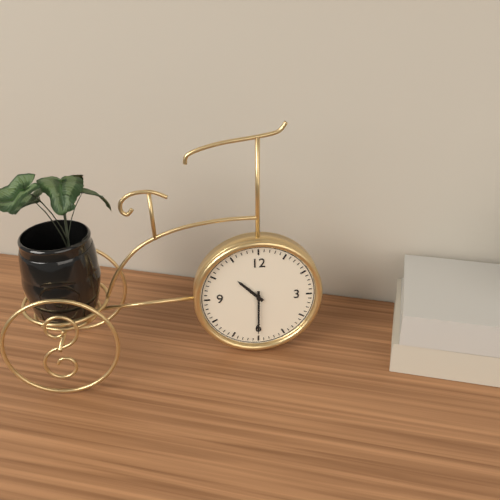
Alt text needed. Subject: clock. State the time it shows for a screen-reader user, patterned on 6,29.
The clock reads 10,30
